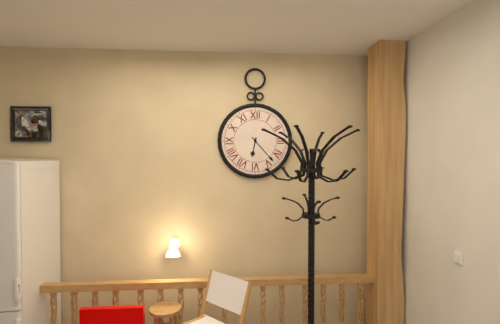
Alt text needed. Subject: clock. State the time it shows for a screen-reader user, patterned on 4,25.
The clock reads 6,23
